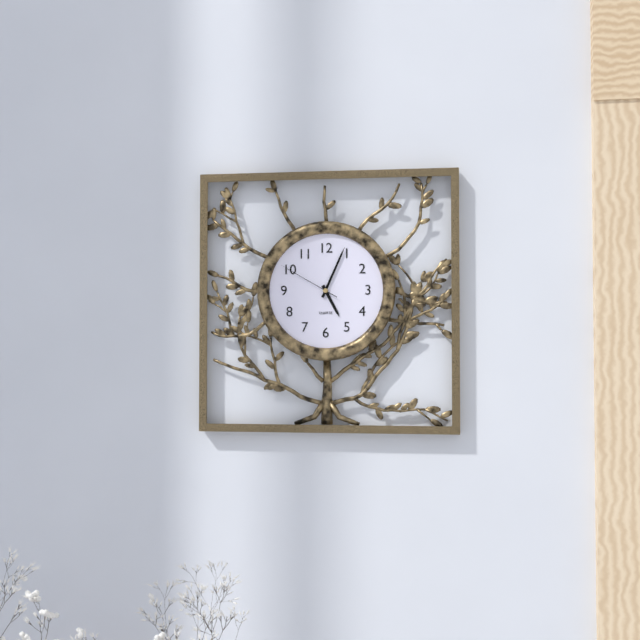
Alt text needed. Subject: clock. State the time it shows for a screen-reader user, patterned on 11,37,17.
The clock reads 5,04,50
